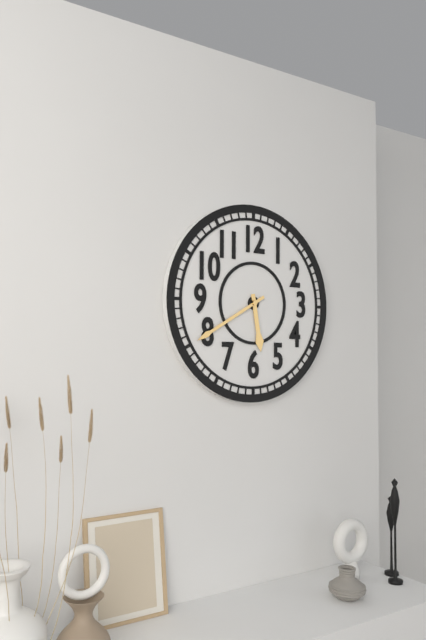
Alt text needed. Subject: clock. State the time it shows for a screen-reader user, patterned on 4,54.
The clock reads 5,40
